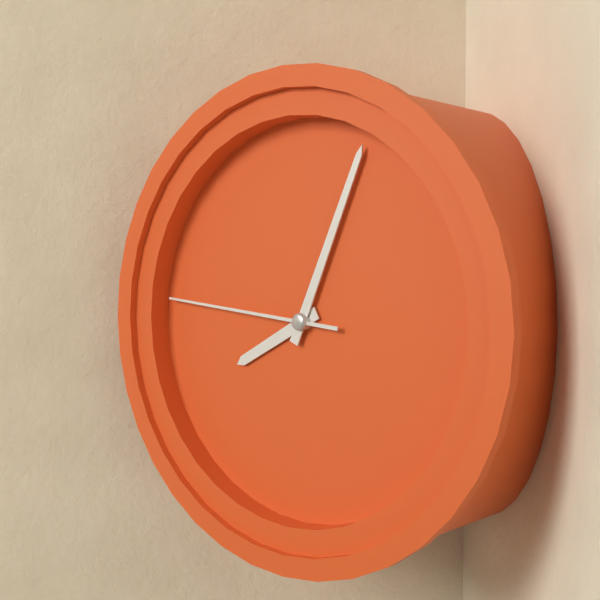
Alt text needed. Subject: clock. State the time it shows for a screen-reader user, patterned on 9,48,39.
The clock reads 8,04,46
